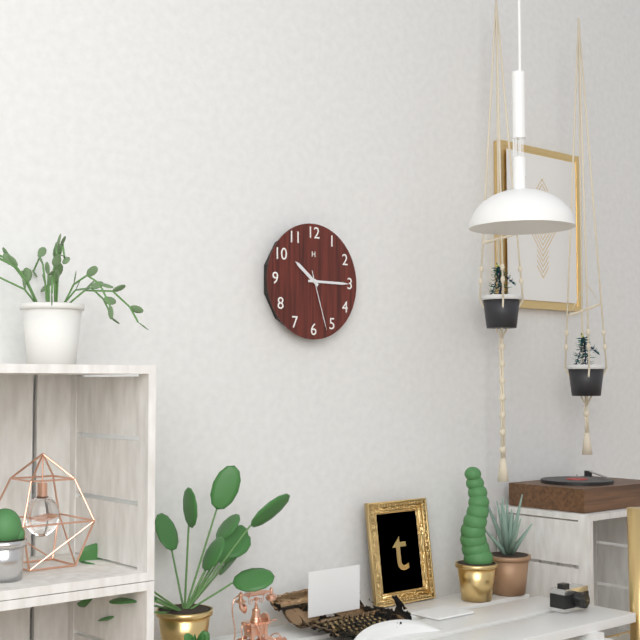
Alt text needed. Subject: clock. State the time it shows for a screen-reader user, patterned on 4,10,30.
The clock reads 10,15,27
